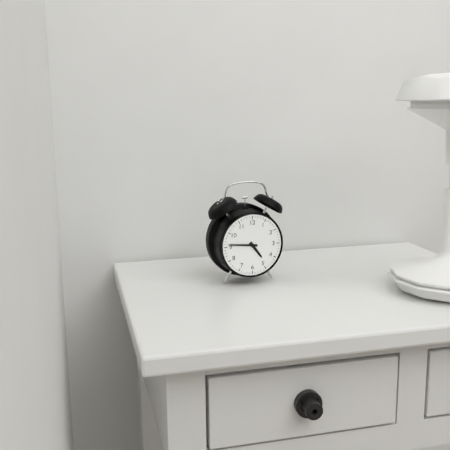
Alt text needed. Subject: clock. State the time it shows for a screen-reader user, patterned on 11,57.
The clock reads 4,46
